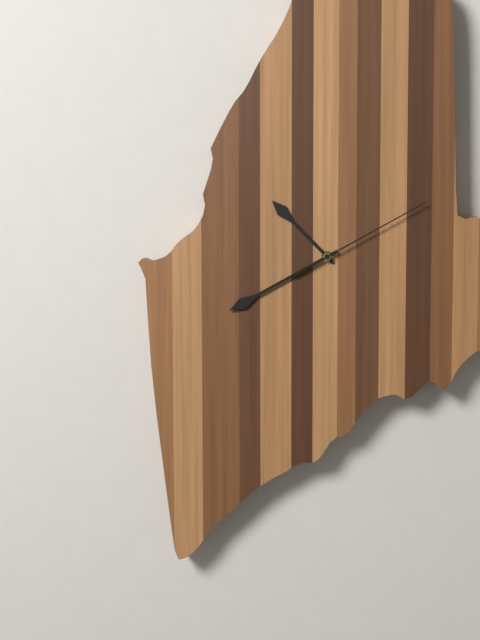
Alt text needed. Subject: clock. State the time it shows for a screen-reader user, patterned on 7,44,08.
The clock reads 10,41,11
